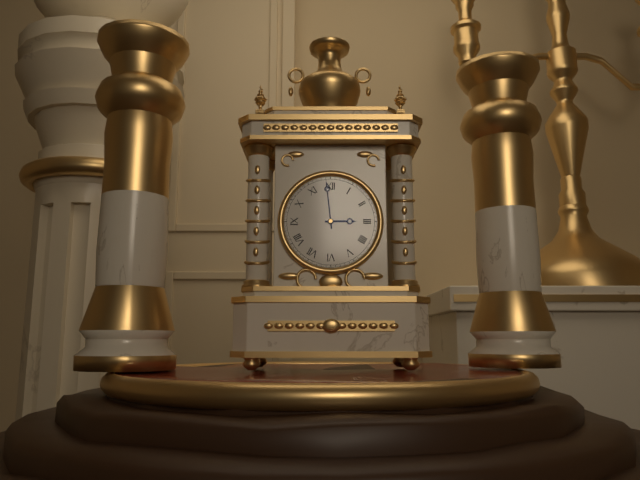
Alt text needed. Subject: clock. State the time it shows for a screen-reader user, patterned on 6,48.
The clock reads 2,59
